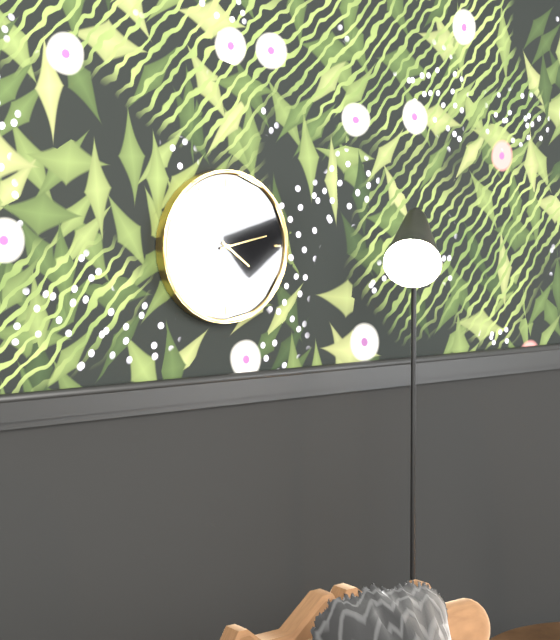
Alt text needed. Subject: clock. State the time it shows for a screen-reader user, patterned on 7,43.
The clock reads 4,13
